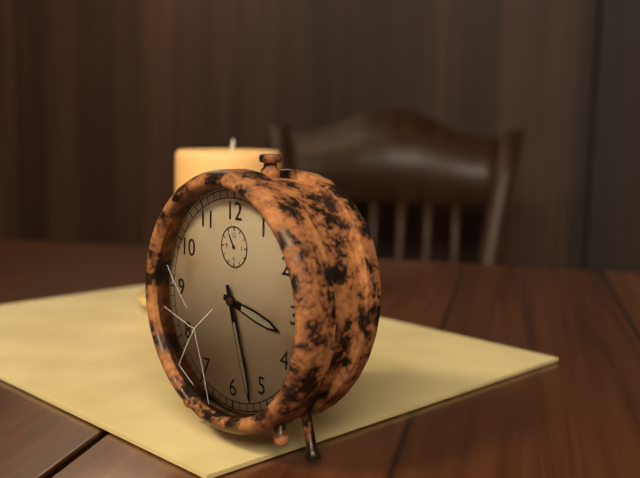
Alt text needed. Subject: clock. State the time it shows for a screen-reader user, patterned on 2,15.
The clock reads 3,27
